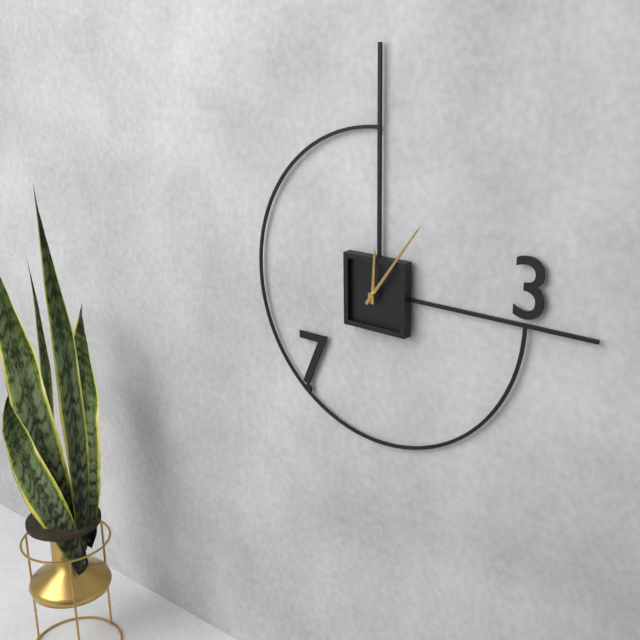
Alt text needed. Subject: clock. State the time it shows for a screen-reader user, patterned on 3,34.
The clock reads 12,06
